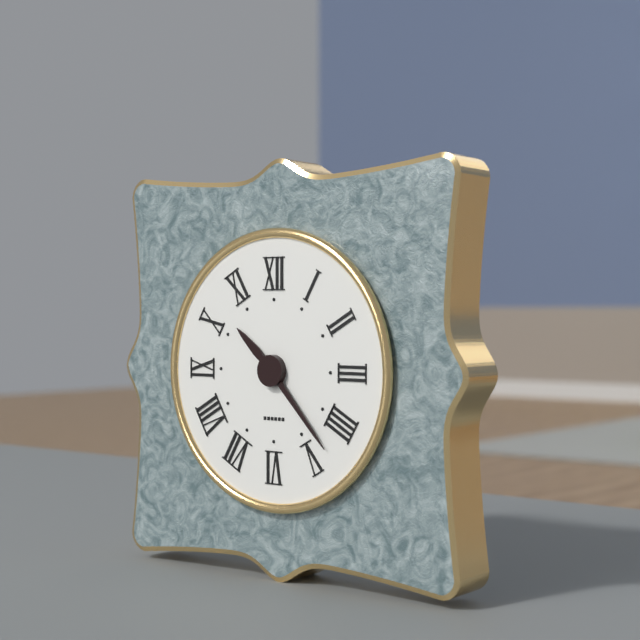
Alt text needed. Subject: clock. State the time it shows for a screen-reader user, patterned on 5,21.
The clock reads 10,23
